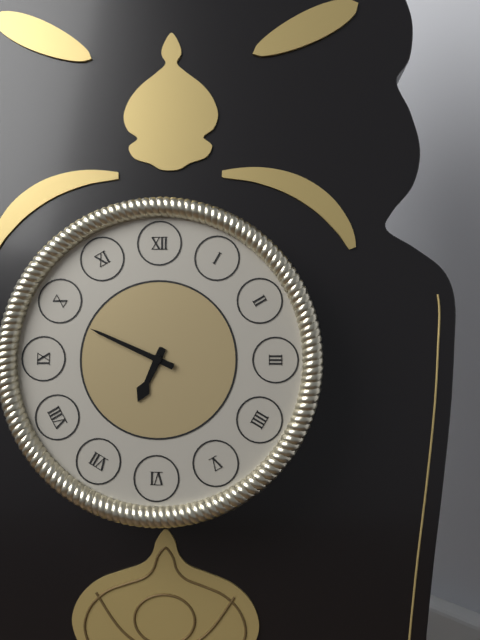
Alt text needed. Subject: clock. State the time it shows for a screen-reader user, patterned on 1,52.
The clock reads 6,49
